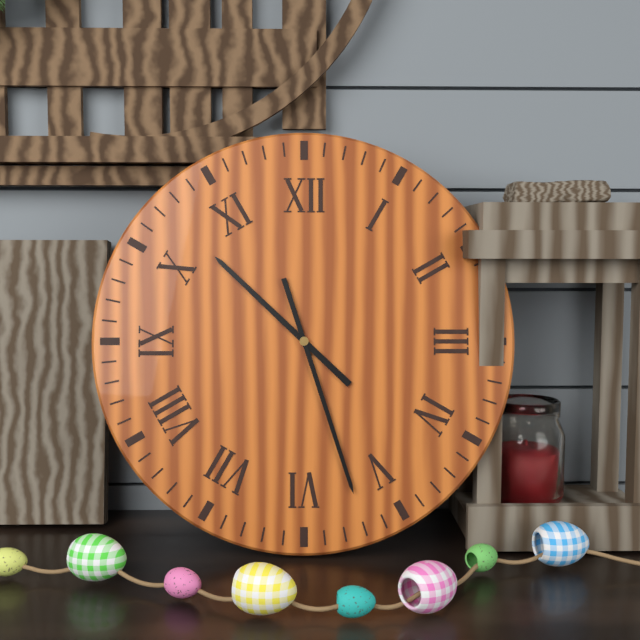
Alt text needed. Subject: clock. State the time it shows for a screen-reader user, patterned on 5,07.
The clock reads 10,27
